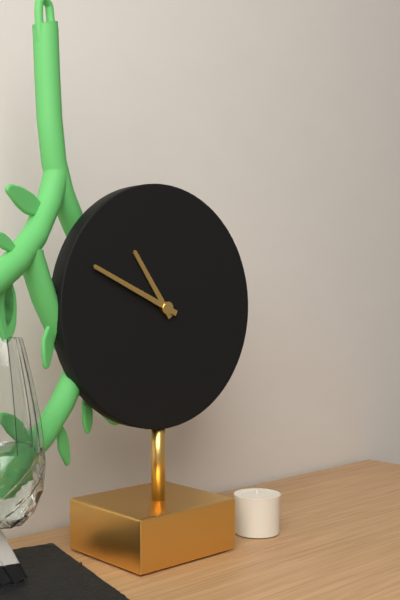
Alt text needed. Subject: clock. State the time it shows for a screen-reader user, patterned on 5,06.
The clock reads 10,49
